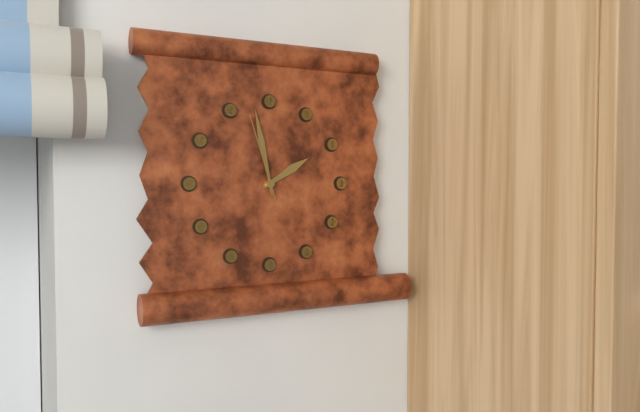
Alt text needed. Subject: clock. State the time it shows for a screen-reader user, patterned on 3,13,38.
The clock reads 1,58,57
